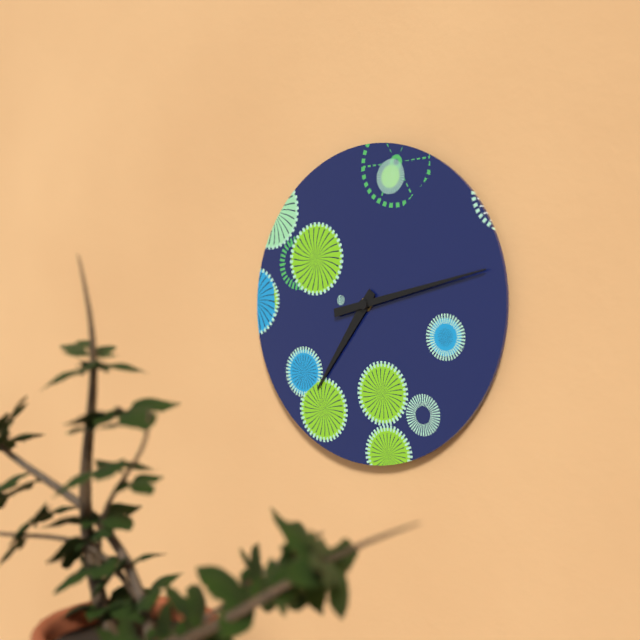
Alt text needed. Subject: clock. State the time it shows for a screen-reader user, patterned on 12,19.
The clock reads 7,13
